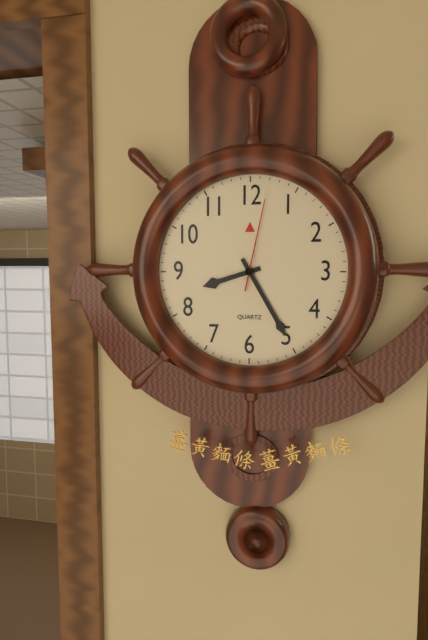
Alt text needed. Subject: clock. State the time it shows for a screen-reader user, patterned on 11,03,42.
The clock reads 8,25,02
